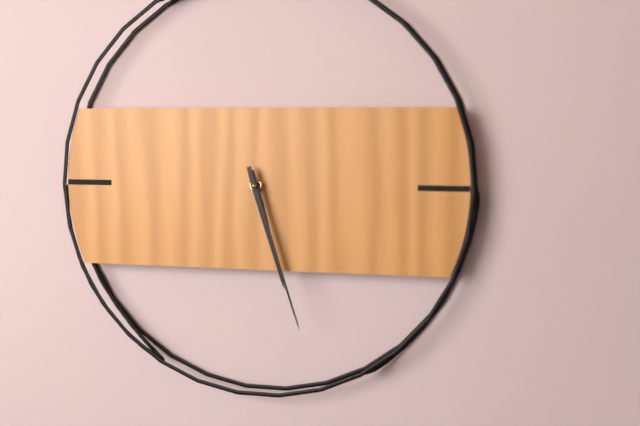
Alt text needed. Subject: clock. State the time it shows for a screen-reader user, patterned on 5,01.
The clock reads 5,27
